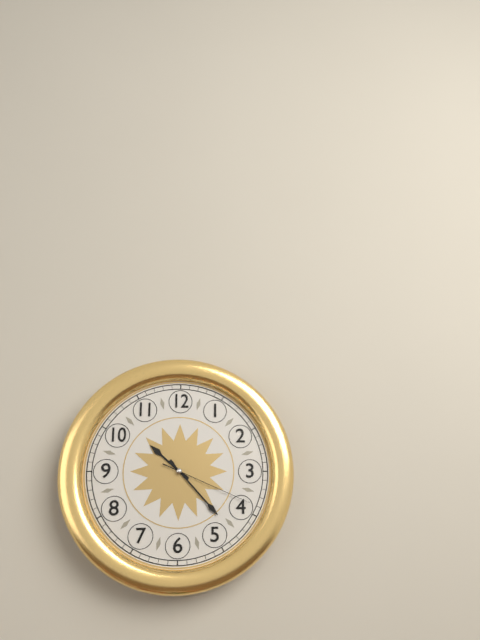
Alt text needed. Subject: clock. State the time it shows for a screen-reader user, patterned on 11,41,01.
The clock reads 10,23,19
